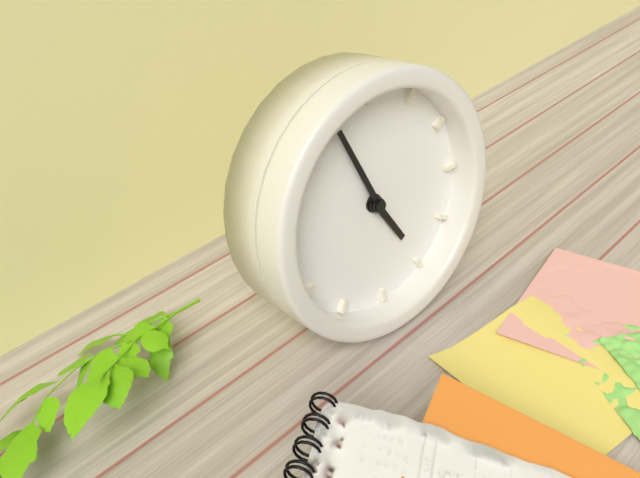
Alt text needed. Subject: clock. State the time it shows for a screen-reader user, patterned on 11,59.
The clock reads 4,56
